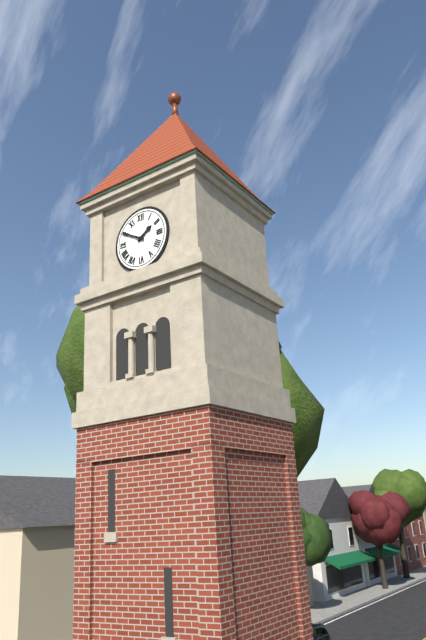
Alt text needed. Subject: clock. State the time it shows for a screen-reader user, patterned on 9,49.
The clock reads 1,50
